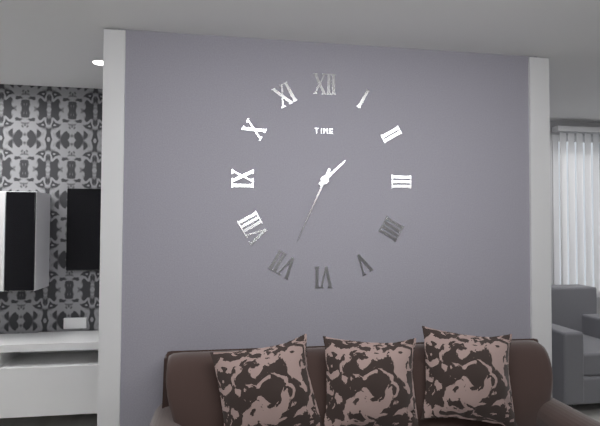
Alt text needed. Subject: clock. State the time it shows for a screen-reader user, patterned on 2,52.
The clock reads 1,34
